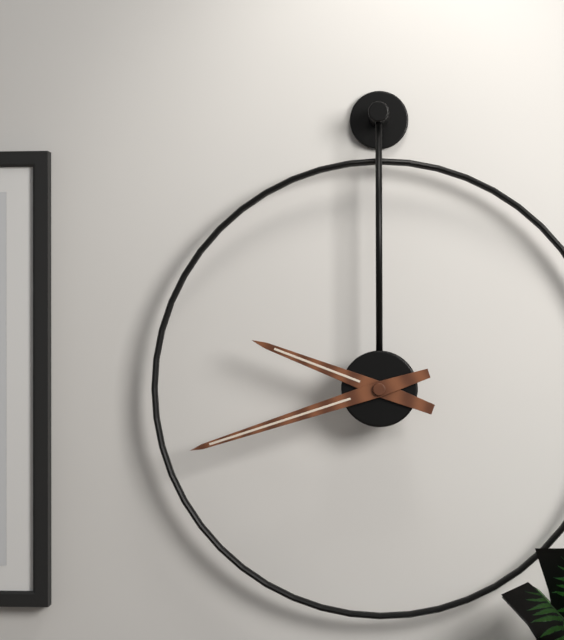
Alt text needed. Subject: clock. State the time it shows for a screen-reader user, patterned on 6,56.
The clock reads 9,42
